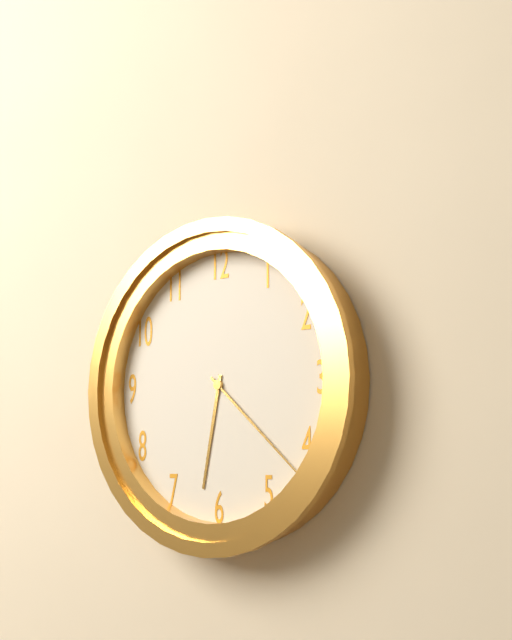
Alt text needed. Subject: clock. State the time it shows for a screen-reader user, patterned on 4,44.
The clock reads 6,22
